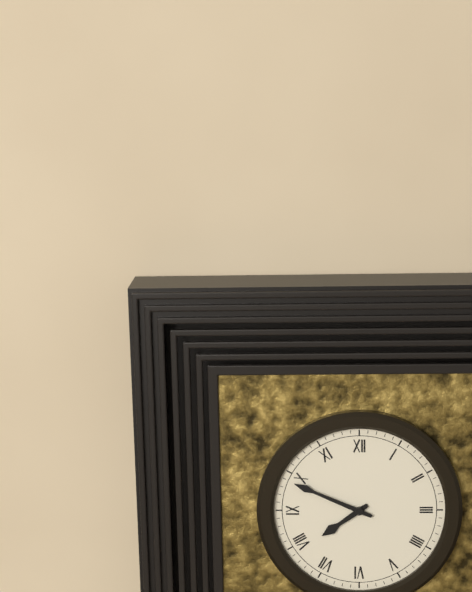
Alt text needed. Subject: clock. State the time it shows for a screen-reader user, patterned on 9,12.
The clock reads 7,49
